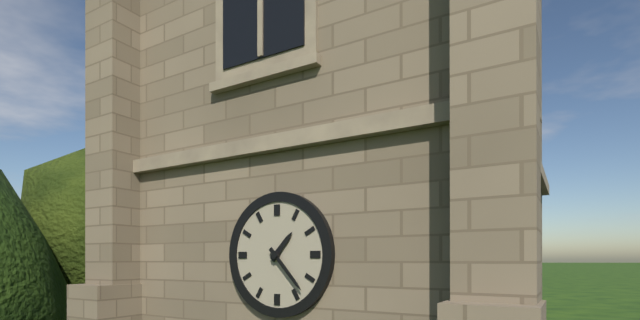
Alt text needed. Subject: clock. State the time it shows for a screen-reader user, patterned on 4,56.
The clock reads 1,23
